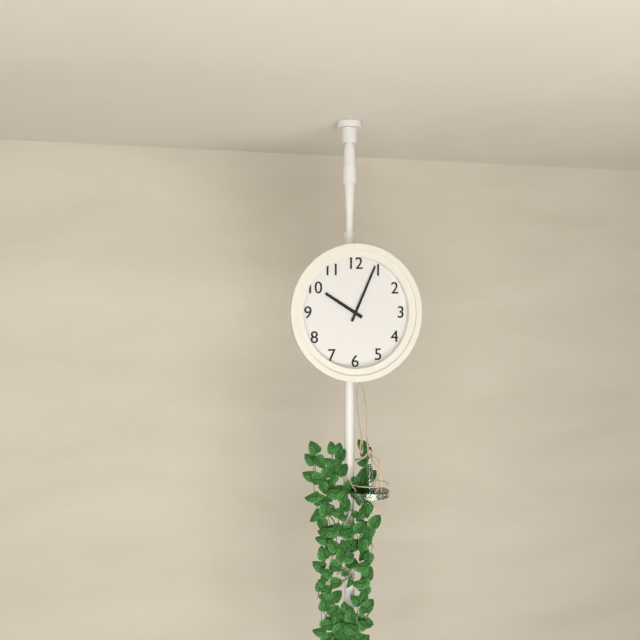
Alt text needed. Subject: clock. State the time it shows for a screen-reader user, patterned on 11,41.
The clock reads 10,04
